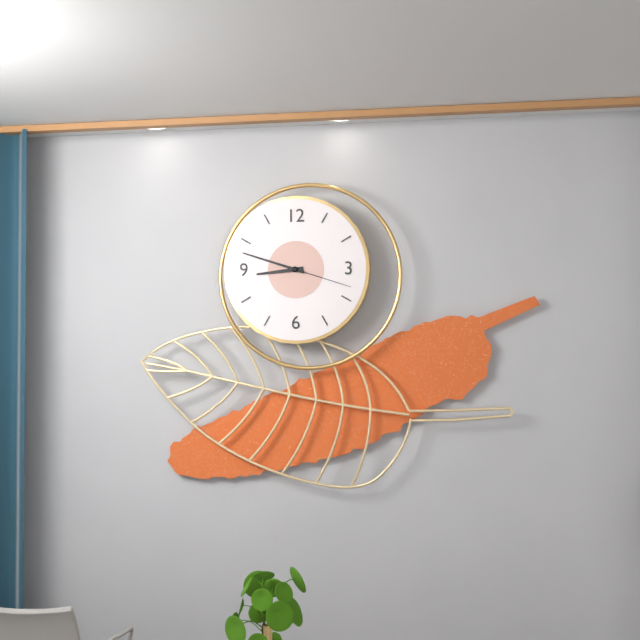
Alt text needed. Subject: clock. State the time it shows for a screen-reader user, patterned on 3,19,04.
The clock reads 8,48,18
